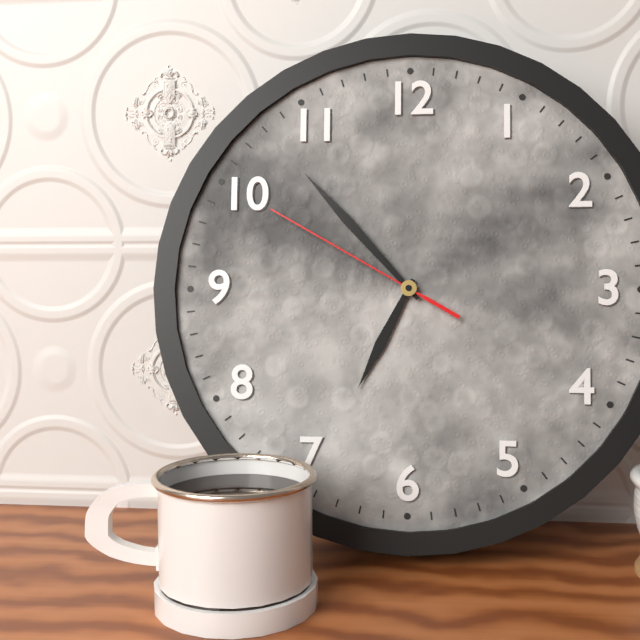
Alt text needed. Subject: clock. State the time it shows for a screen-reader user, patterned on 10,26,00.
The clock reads 6,53,50
